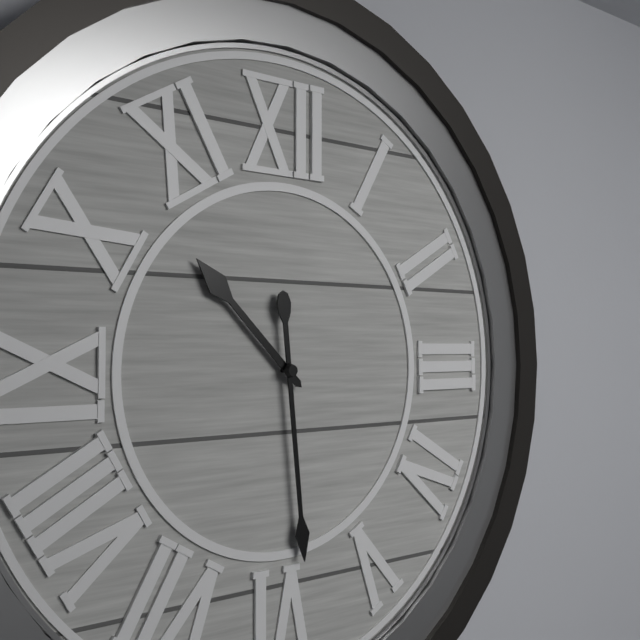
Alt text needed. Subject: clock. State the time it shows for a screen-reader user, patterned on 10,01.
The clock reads 10,29
